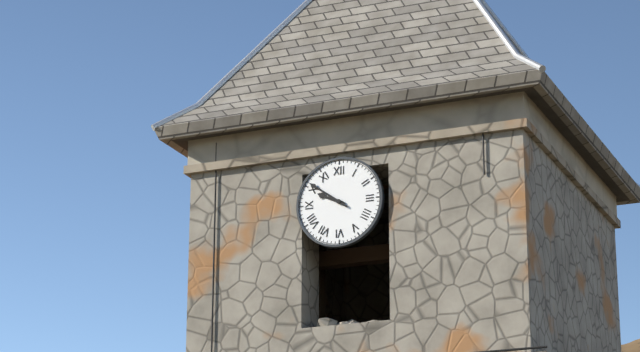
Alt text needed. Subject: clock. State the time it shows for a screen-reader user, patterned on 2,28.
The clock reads 9,51
